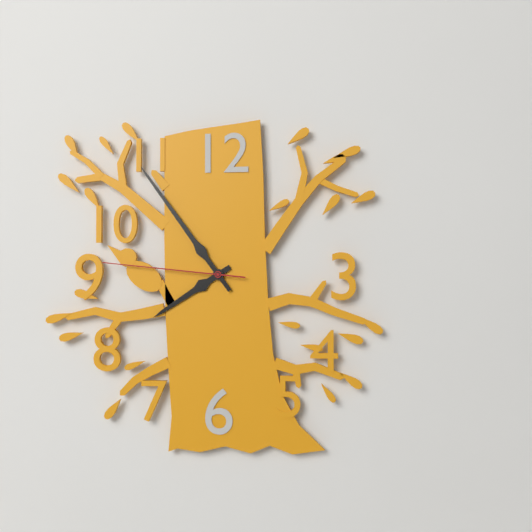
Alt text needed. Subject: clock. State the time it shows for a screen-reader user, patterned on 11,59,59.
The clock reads 7,54,46
